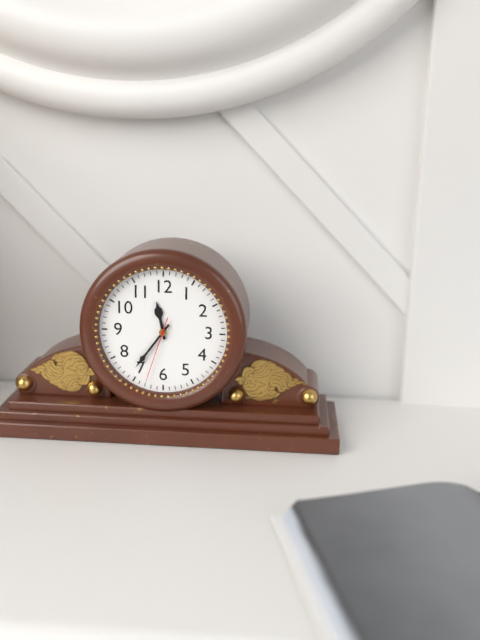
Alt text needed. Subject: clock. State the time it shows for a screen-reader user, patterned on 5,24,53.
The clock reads 11,36,33
